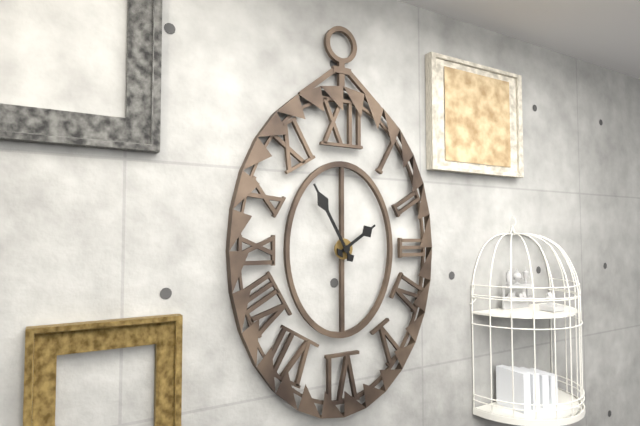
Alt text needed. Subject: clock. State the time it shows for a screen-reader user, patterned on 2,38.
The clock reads 1,55
